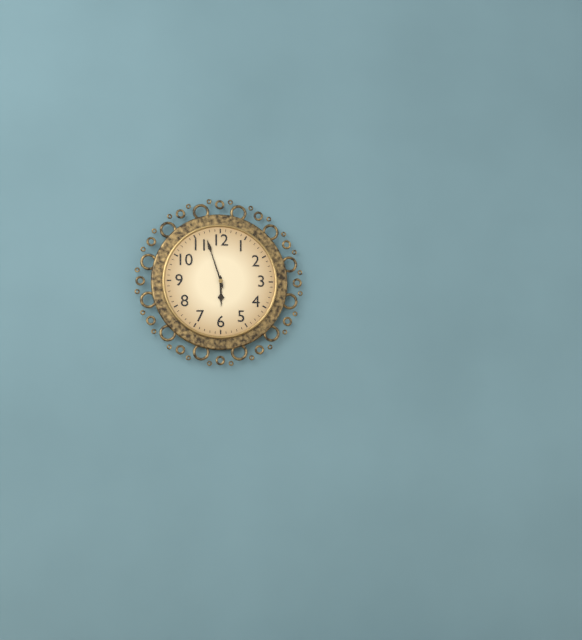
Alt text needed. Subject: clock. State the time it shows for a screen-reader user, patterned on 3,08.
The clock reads 5,57
